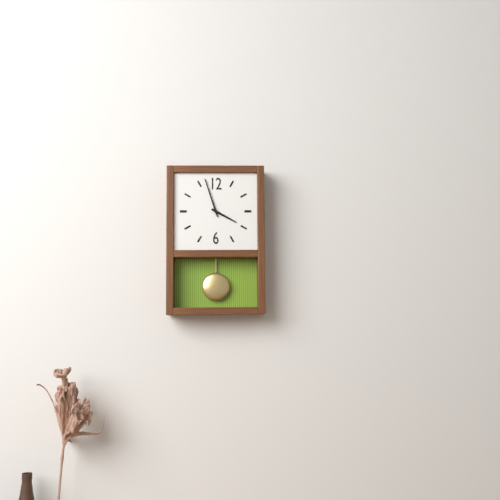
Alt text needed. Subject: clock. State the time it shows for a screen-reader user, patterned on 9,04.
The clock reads 3,57
